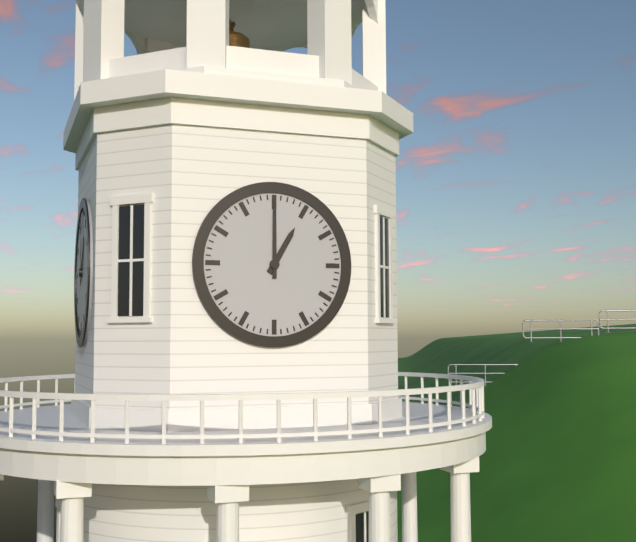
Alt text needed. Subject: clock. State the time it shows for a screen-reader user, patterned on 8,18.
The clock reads 1,00
